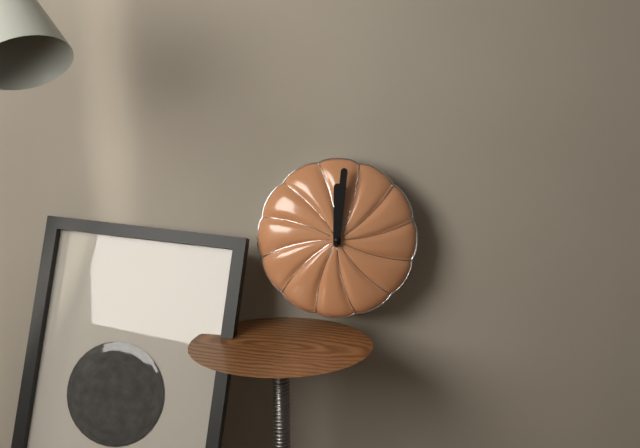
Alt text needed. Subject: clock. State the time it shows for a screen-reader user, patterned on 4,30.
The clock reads 12,01
